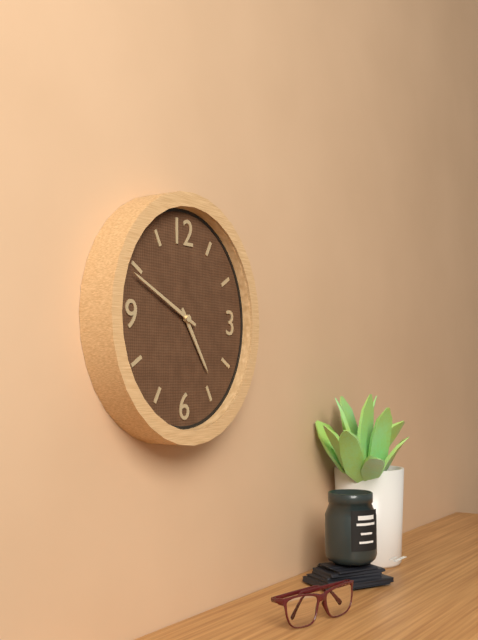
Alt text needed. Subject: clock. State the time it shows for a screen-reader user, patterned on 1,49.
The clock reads 4,49
